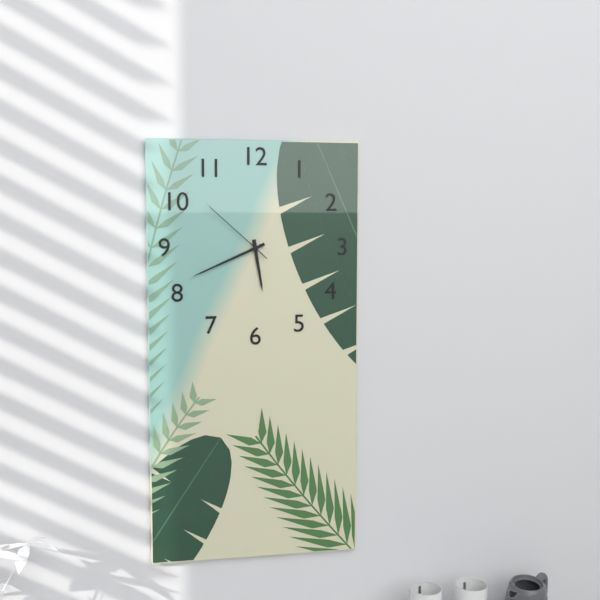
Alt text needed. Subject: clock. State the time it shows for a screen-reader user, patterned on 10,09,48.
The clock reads 5,41,52
